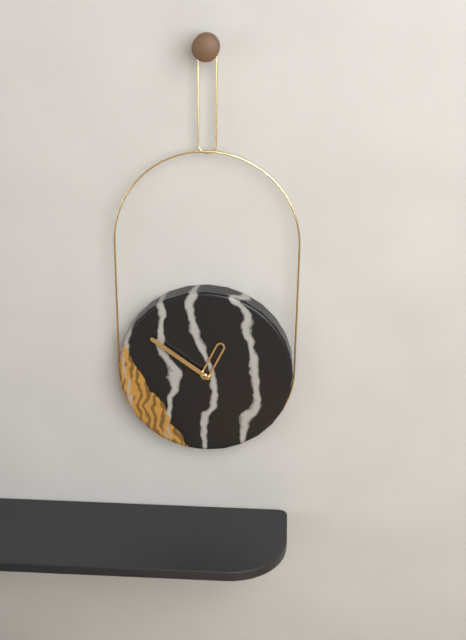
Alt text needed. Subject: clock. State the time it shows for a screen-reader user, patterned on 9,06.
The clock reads 12,51
